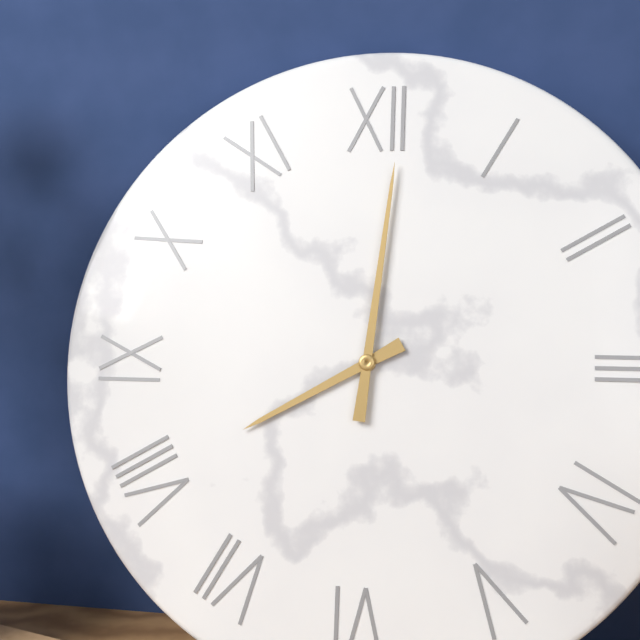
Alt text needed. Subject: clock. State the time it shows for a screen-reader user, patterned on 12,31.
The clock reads 8,01
